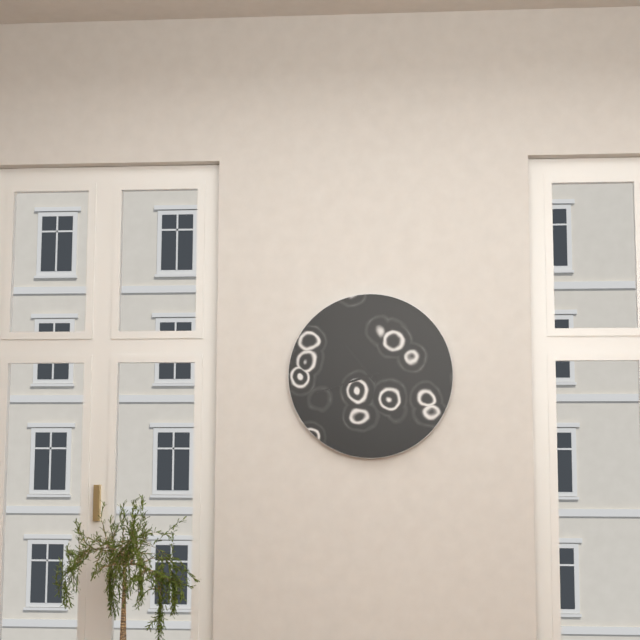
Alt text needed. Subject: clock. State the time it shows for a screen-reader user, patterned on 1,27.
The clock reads 10,42
